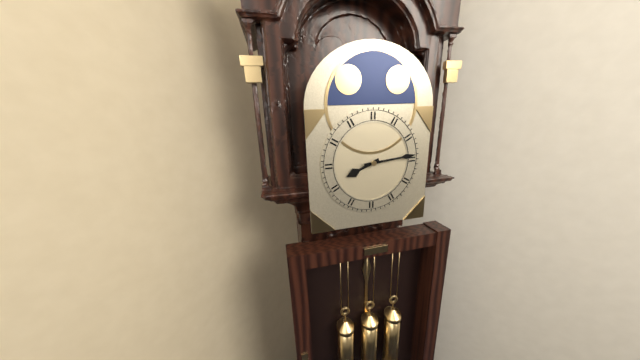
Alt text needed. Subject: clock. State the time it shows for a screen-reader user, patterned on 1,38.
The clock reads 8,14
